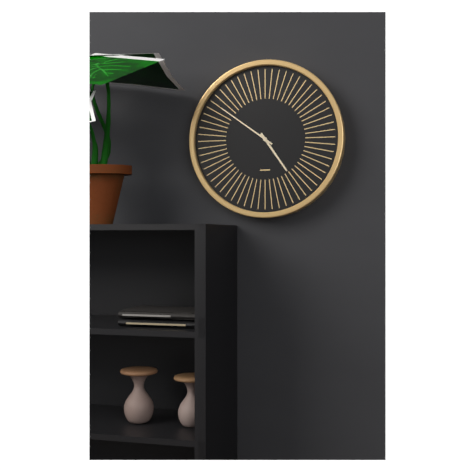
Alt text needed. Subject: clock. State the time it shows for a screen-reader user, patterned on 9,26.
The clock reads 4,51
